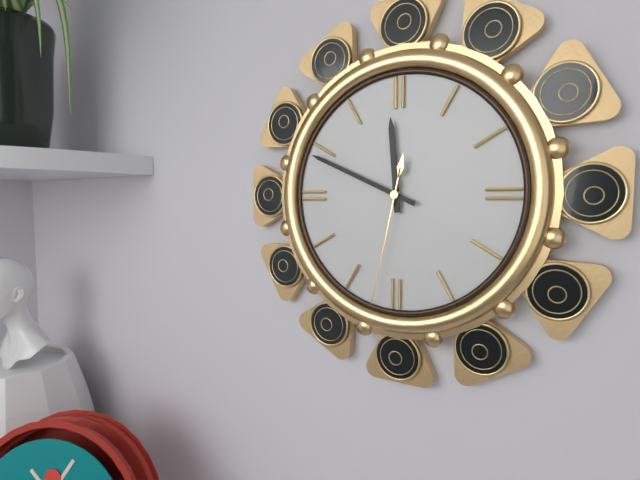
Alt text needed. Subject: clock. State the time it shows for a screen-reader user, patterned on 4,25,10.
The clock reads 11,49,32
